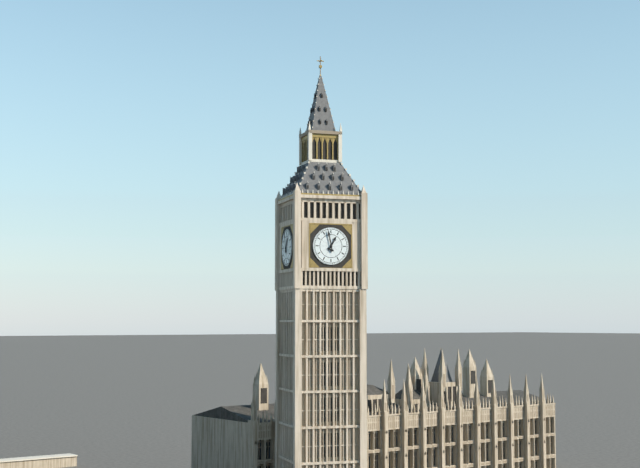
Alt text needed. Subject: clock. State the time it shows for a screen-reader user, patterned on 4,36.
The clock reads 12,58
